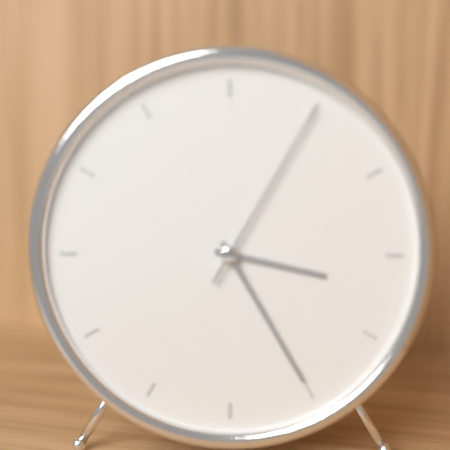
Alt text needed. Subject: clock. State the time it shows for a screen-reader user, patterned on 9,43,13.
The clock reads 3,25,05
